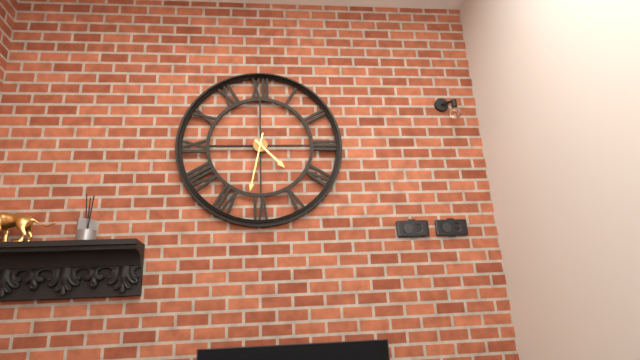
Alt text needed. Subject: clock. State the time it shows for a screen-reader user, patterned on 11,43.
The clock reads 4,32
